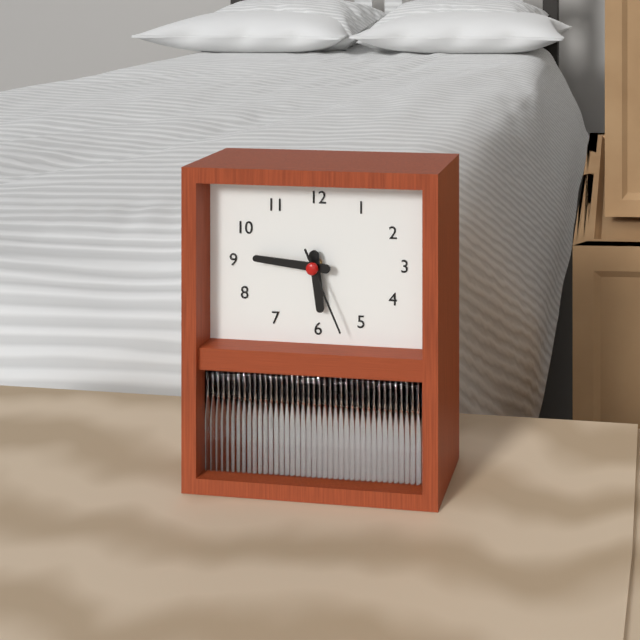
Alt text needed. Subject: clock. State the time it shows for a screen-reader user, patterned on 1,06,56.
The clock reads 5,46,26
